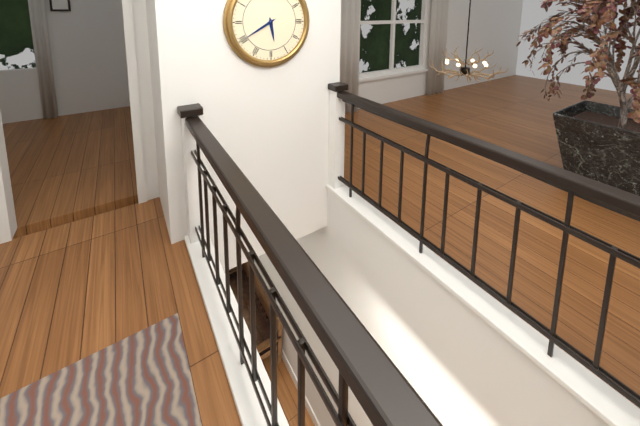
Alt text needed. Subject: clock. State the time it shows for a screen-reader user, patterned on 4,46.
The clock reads 5,40
